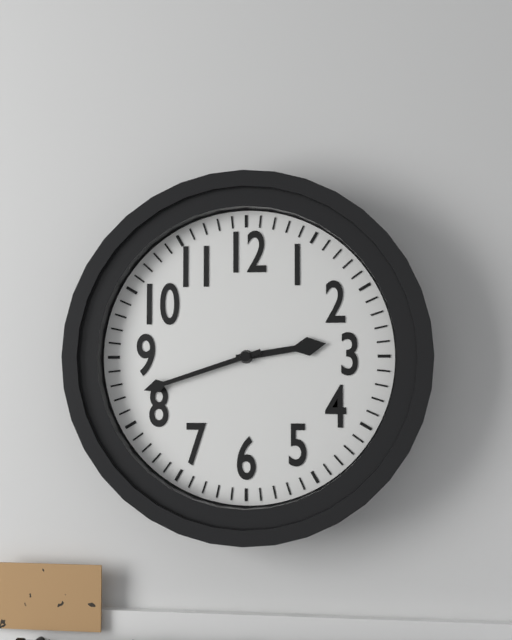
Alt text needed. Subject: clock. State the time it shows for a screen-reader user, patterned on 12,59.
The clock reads 2,42
